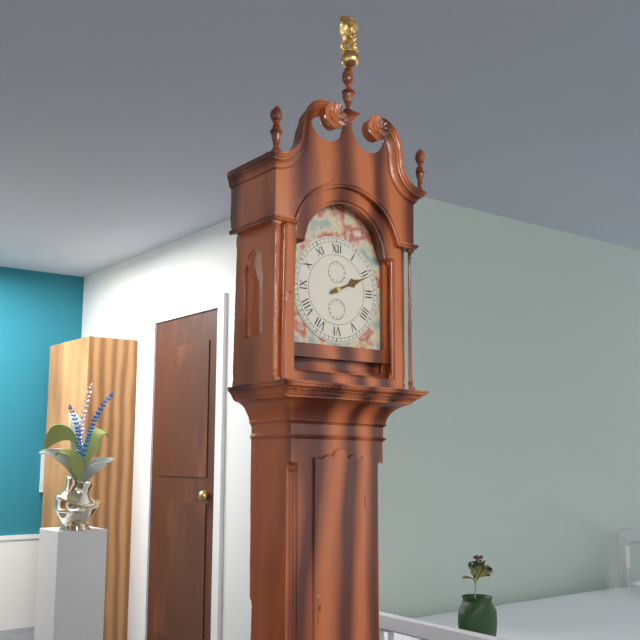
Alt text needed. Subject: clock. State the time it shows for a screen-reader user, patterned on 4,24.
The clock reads 2,11
